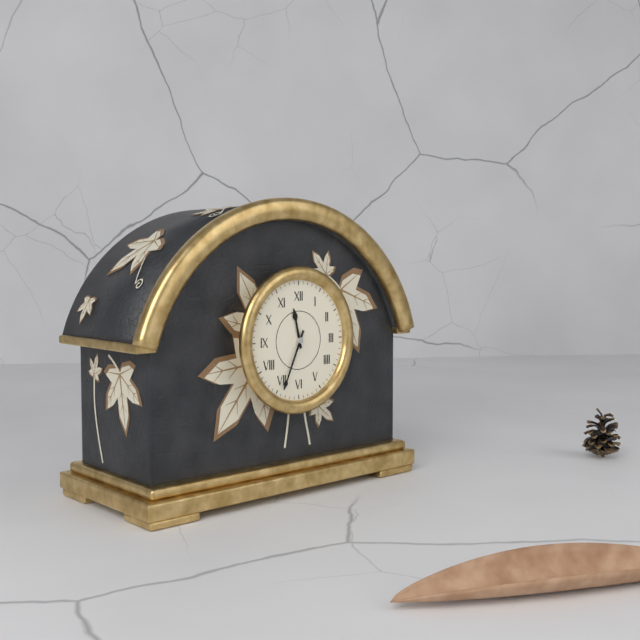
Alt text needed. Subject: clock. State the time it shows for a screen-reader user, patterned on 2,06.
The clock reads 11,34
